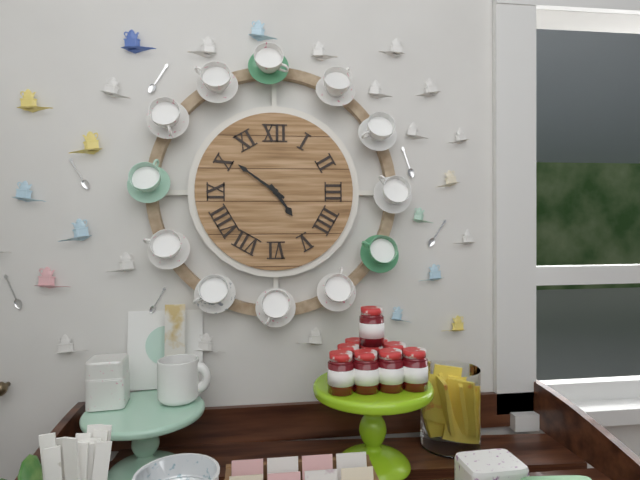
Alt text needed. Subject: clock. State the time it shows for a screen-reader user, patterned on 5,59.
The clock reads 4,51
